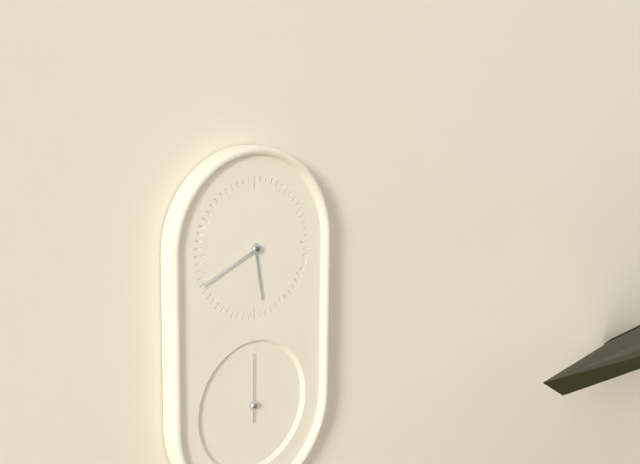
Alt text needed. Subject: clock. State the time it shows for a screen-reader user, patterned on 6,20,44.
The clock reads 5,41,00
